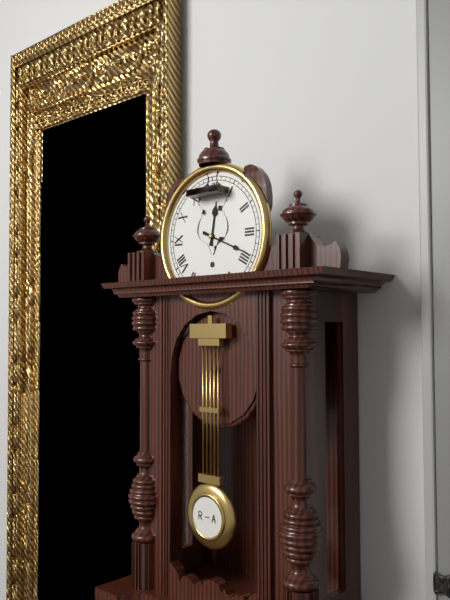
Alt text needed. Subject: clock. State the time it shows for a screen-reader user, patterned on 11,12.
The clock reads 12,19
